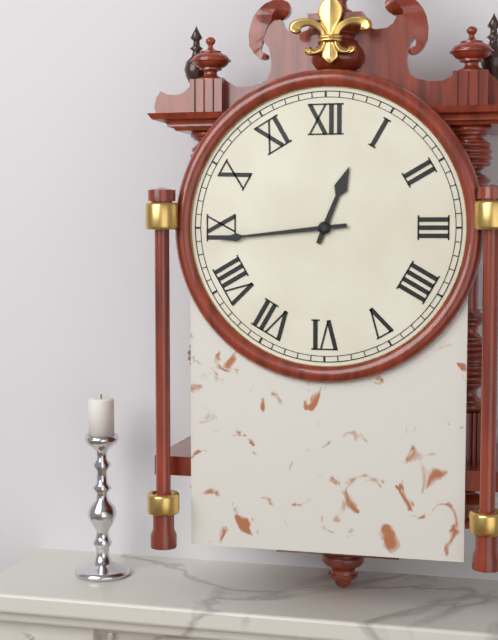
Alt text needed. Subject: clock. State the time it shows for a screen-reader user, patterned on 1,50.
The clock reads 12,44
